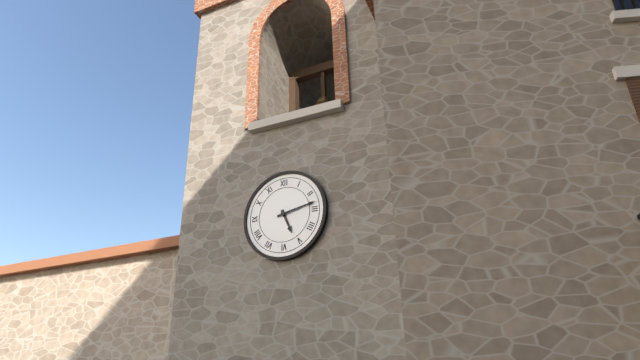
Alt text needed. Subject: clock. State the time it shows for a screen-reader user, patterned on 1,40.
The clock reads 5,13
